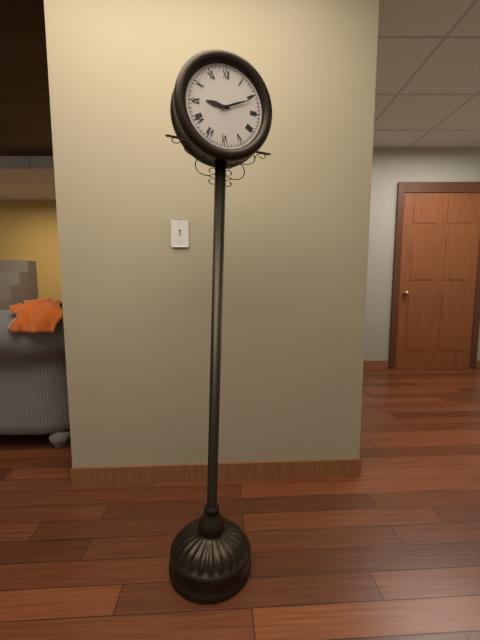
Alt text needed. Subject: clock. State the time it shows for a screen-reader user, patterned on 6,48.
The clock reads 9,11
